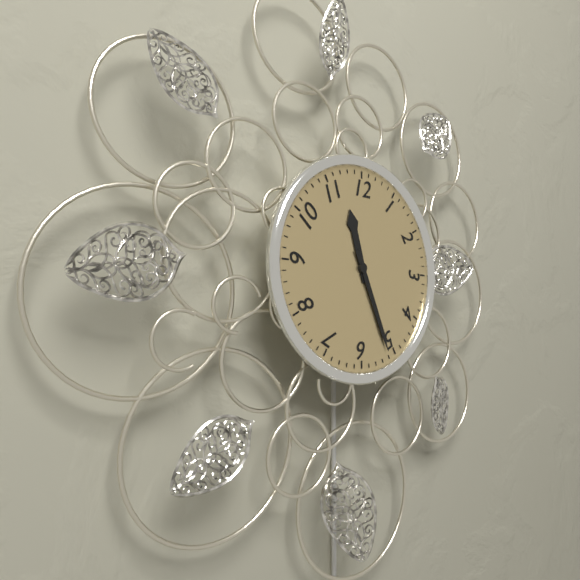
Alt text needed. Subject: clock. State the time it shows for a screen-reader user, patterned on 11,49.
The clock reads 11,26
